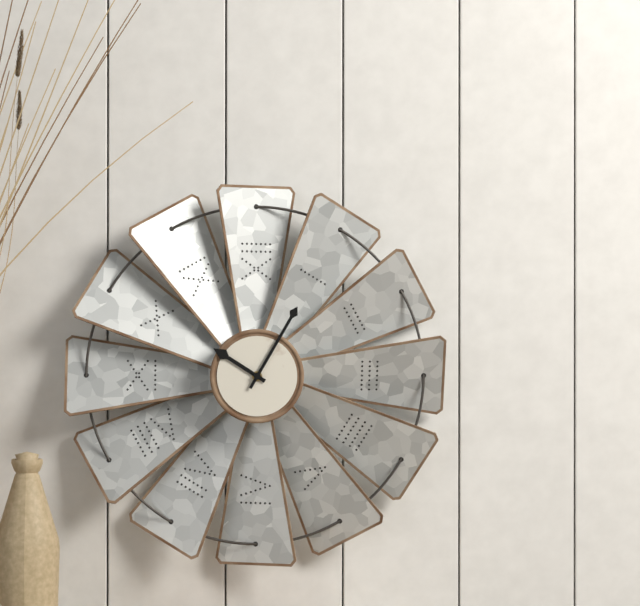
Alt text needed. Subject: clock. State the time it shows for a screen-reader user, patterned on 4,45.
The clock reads 10,05
